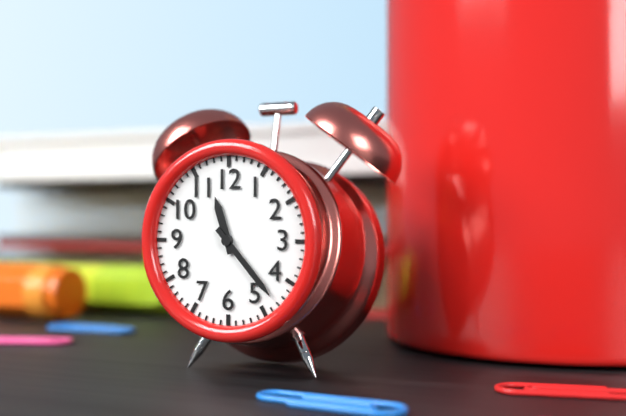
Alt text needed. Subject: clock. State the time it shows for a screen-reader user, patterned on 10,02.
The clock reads 11,23
